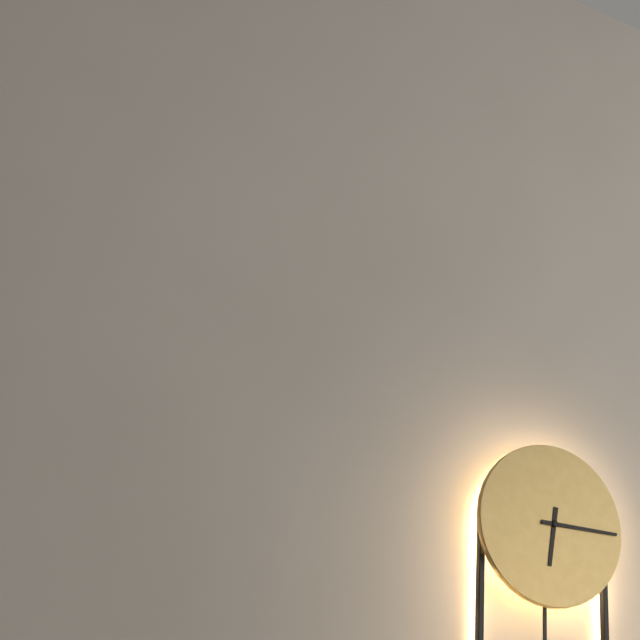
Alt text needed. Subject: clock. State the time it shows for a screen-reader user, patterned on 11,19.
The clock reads 6,15
